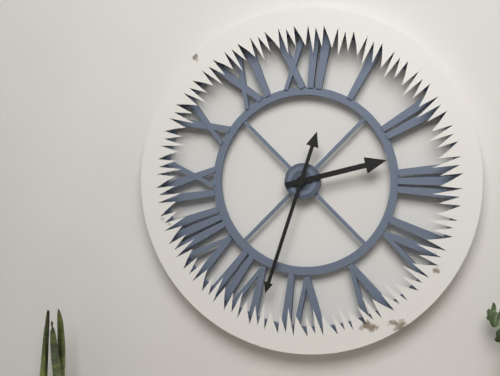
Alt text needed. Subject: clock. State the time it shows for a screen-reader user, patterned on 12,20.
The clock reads 2,33
